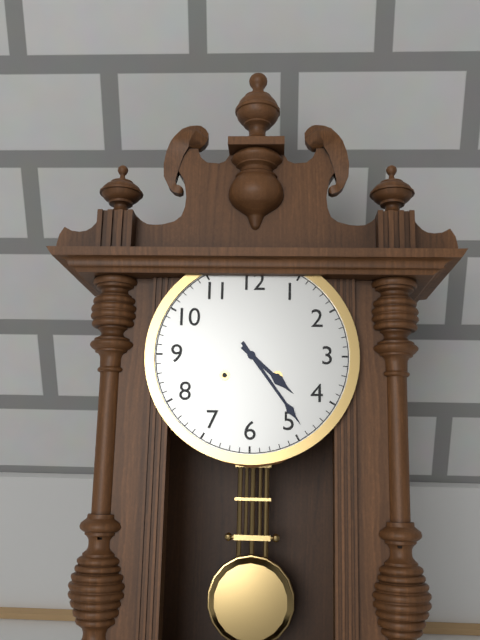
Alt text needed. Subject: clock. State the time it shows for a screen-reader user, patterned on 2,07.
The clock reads 4,24
